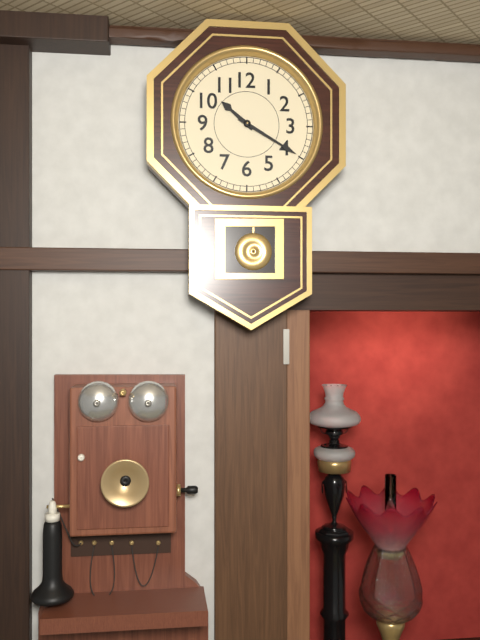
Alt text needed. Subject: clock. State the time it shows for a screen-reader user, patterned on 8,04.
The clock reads 10,20
